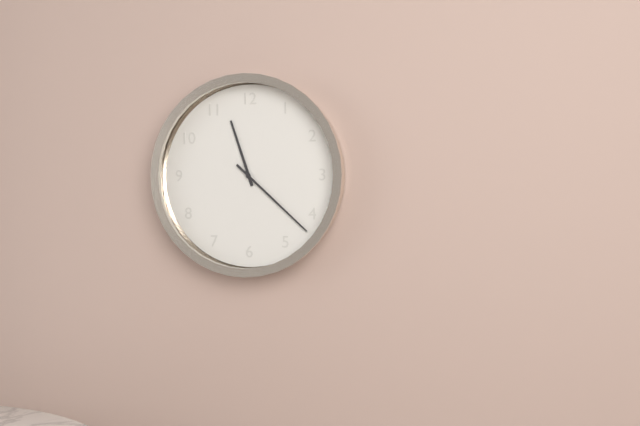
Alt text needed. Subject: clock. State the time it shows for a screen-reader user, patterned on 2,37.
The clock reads 11,22
